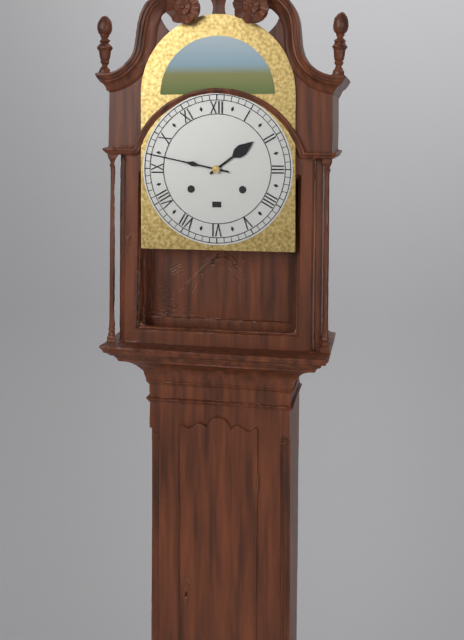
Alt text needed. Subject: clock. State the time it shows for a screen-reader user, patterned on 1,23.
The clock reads 1,47
